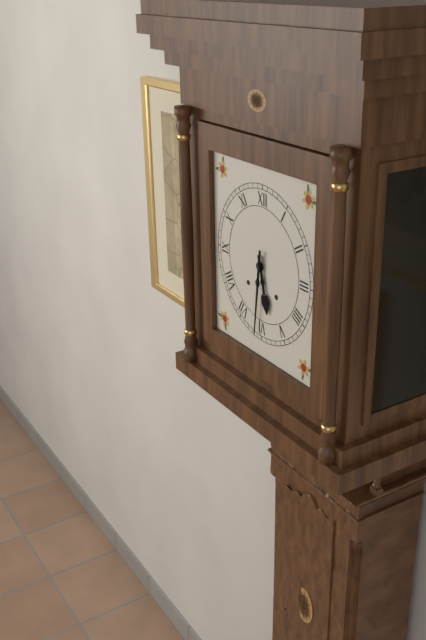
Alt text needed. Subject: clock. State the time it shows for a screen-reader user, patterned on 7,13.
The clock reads 5,31
